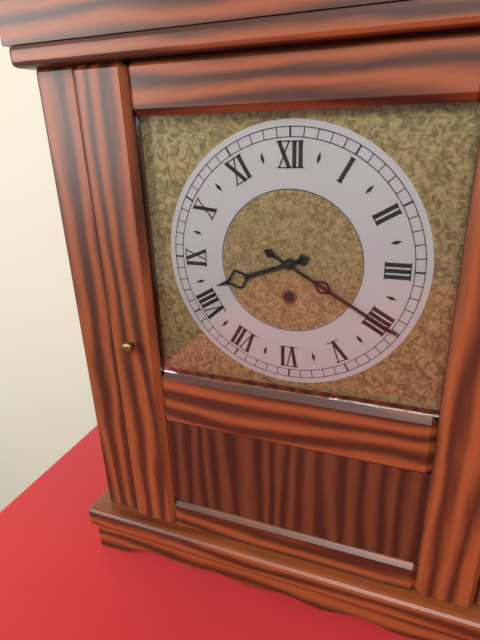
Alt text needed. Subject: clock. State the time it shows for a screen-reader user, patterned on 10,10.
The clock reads 8,20
